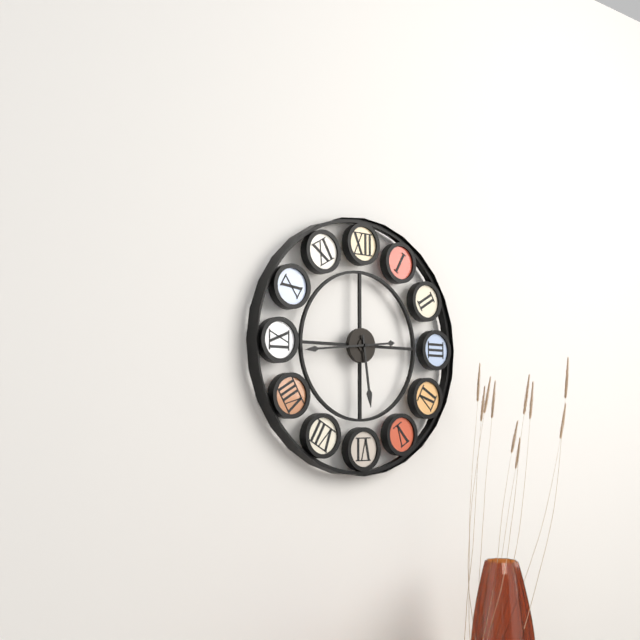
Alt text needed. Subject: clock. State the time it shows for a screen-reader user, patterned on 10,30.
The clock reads 5,44
